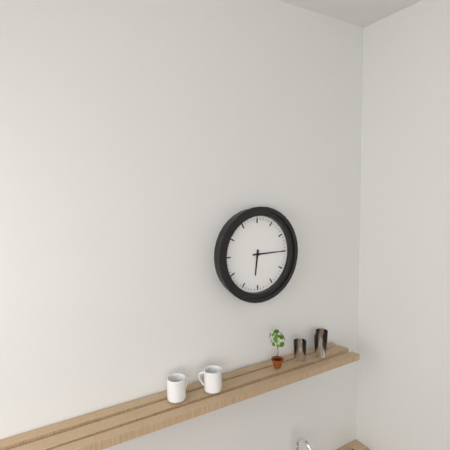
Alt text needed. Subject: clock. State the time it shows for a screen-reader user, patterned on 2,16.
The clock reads 6,15
